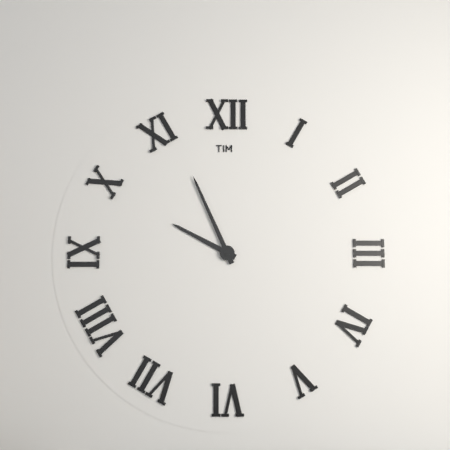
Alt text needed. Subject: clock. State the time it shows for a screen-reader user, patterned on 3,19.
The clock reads 9,56
